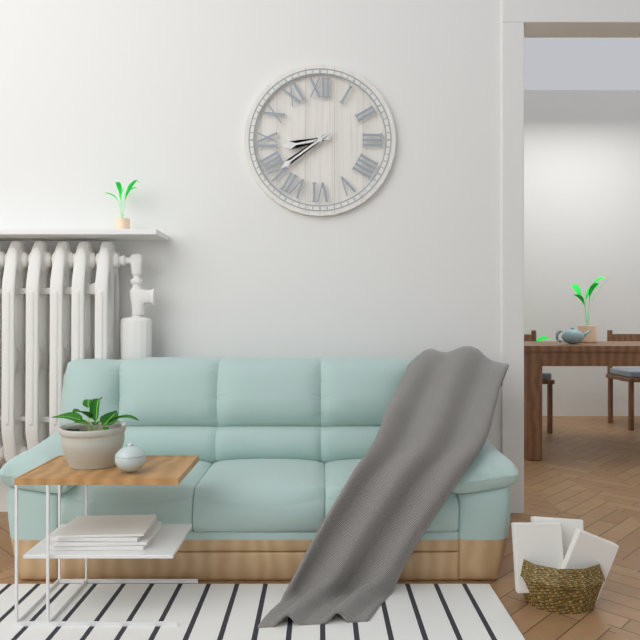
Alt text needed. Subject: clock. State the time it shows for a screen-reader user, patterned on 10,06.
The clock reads 8,39
